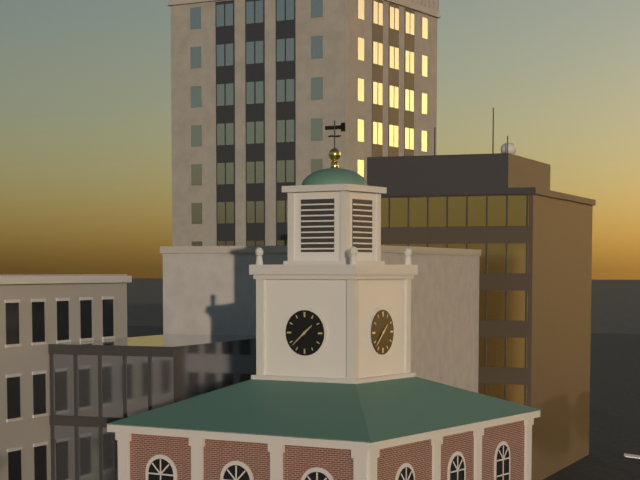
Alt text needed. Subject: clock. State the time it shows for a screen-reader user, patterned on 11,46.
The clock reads 1,38
